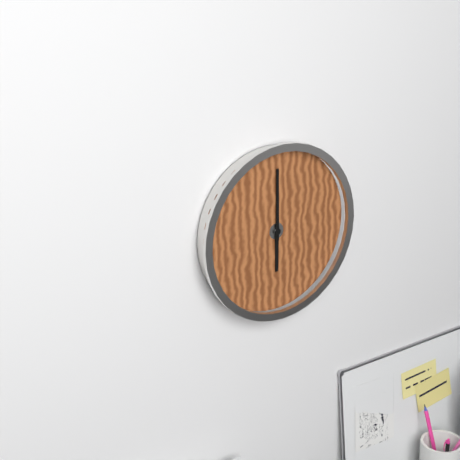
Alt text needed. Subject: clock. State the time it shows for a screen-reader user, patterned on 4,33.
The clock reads 6,00
